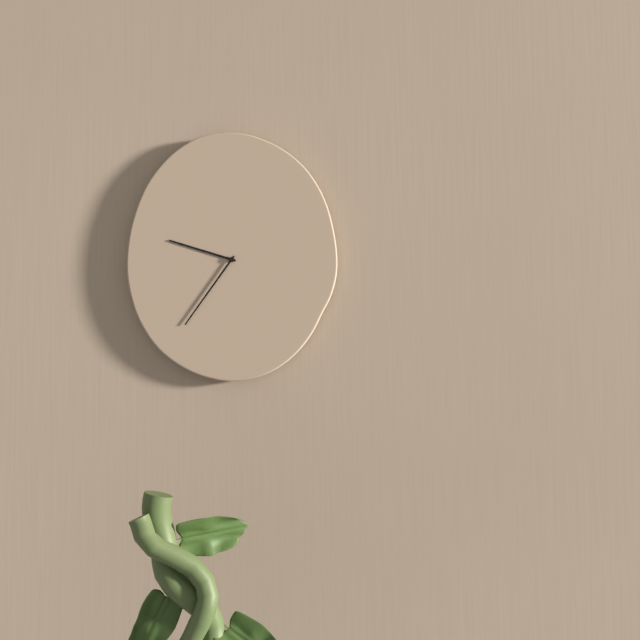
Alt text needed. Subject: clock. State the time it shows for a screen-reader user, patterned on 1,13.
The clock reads 9,36
